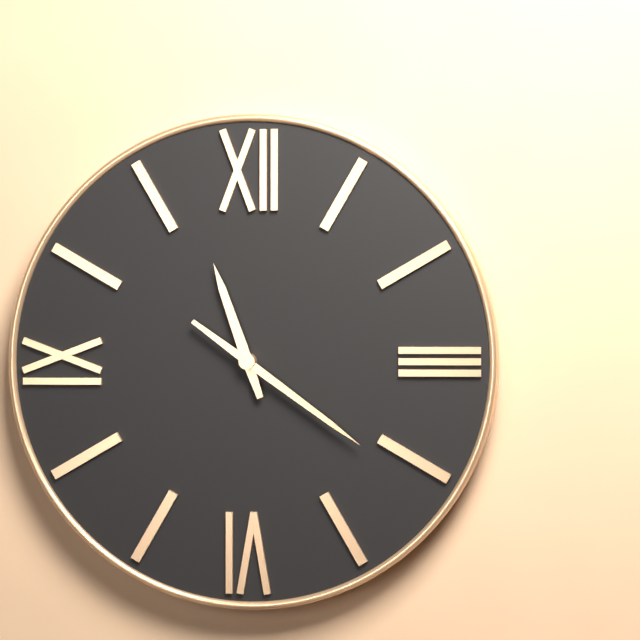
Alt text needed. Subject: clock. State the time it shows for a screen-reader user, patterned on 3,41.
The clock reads 11,21
